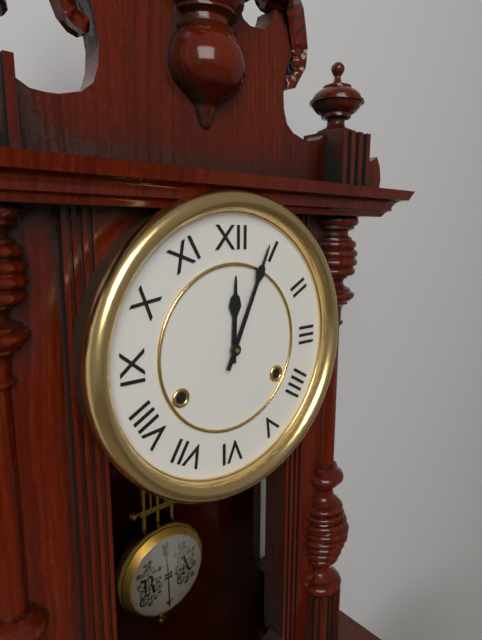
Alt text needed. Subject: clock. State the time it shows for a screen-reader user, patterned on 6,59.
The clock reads 12,04
